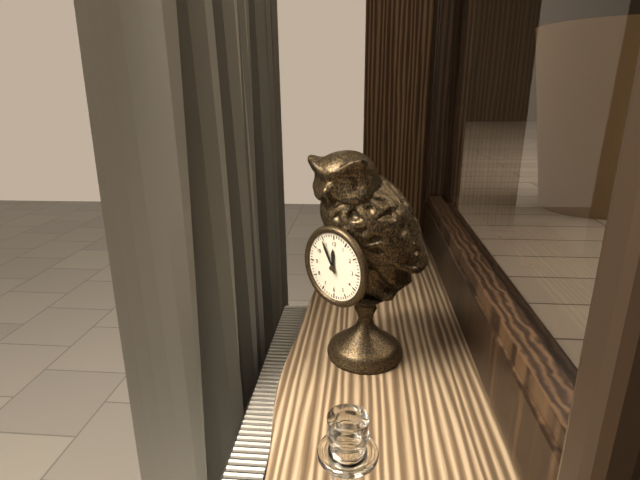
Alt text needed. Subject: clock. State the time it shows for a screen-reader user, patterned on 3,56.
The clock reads 11,55
